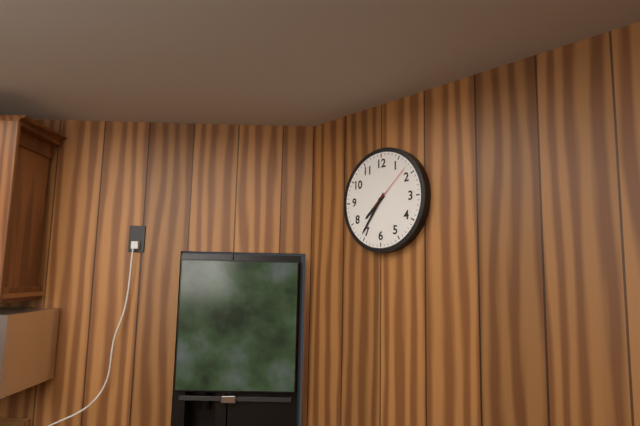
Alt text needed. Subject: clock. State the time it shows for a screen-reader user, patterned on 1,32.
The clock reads 7,36
